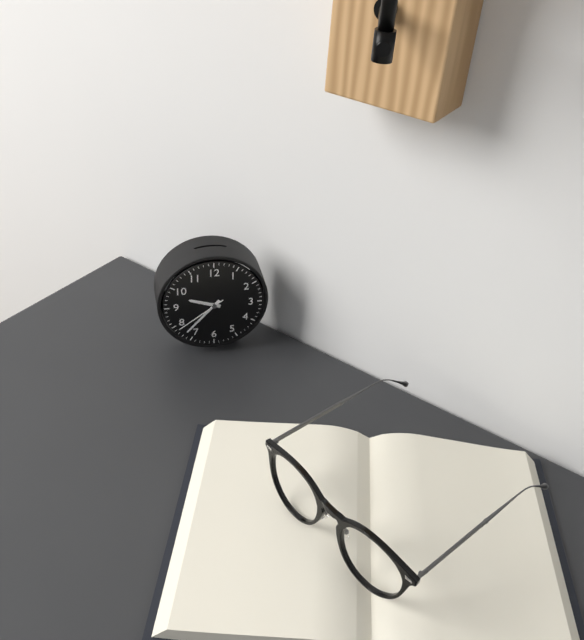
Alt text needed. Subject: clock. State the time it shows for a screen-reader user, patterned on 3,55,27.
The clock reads 9,37,39
